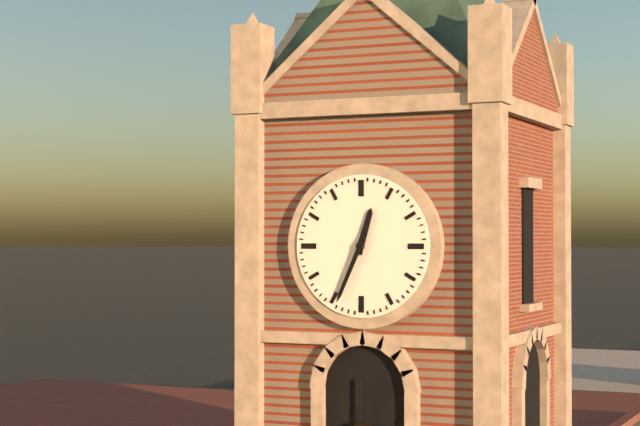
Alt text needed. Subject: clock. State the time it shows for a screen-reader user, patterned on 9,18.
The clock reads 12,34
